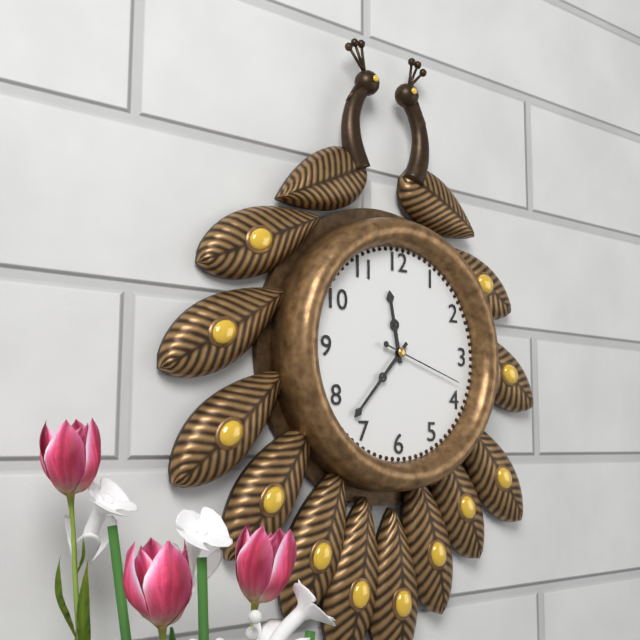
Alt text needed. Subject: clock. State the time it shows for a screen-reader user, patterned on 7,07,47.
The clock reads 11,37,18
